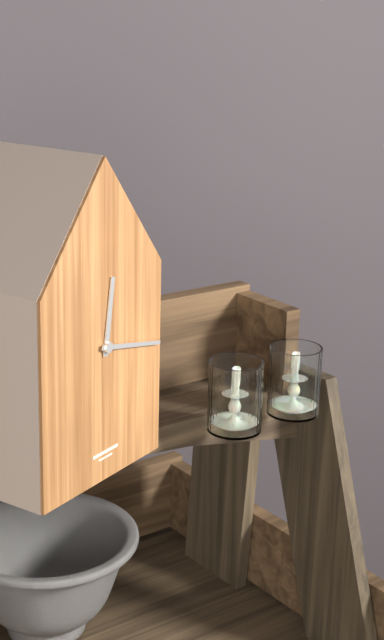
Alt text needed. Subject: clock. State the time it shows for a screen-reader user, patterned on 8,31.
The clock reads 12,17
